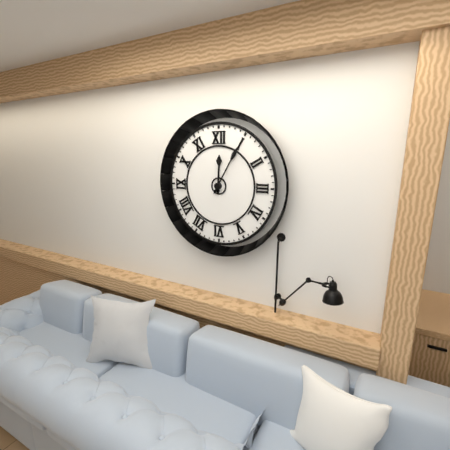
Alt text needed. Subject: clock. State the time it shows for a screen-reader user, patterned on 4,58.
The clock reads 12,05
